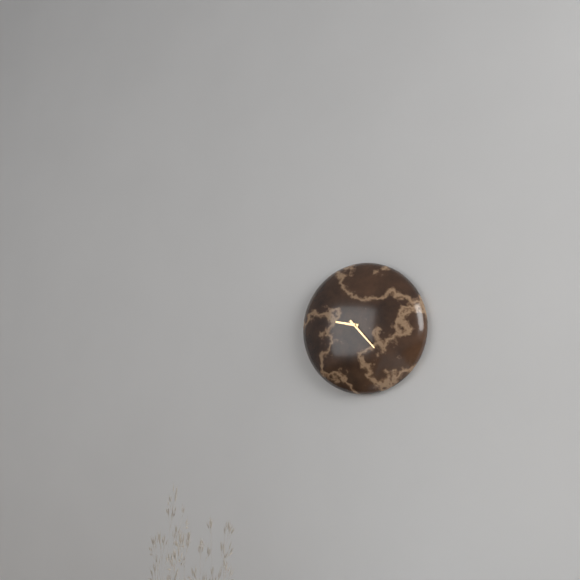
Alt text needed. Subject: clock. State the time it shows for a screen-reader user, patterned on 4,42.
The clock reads 9,23
